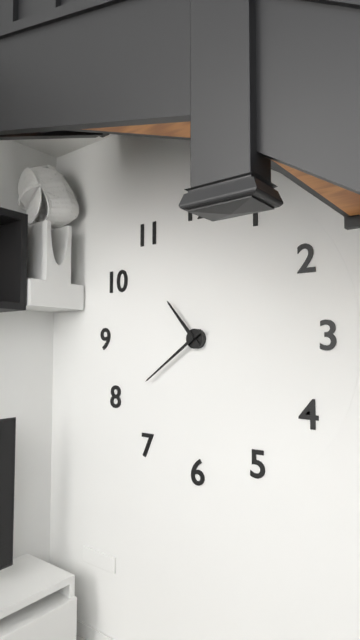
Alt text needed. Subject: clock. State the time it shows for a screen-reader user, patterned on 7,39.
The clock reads 10,39
